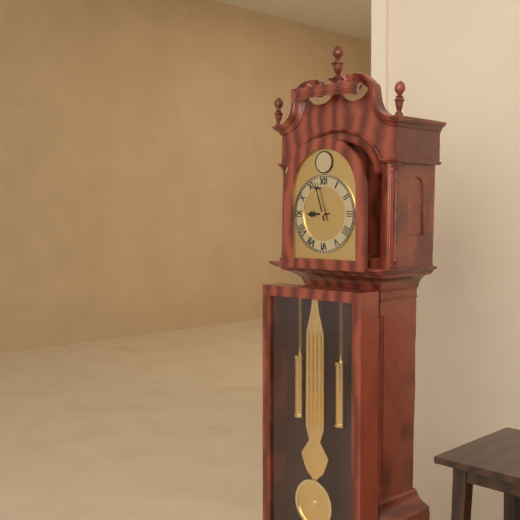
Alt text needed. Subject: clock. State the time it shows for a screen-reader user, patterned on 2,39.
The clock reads 8,57
